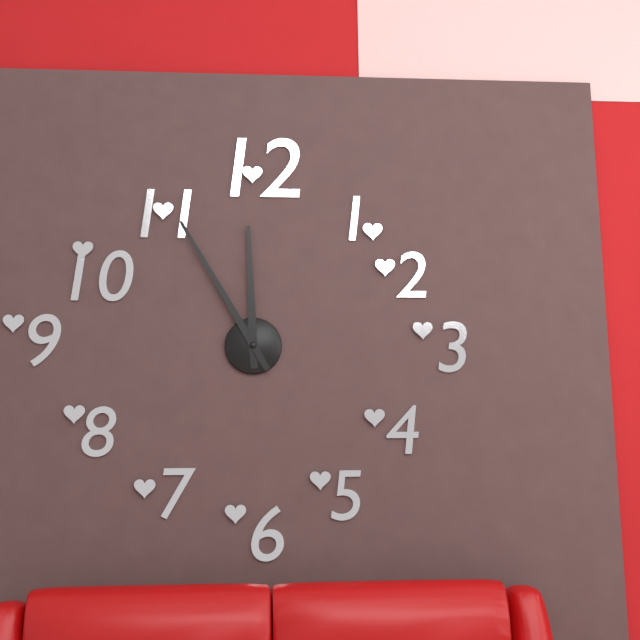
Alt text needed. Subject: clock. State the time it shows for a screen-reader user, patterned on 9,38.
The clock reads 11,55
